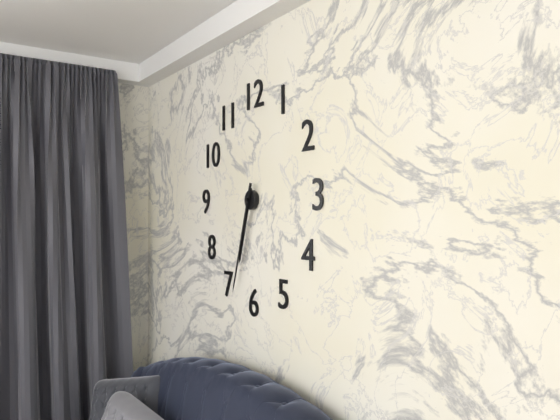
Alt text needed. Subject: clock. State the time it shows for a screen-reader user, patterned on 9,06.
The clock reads 6,33
